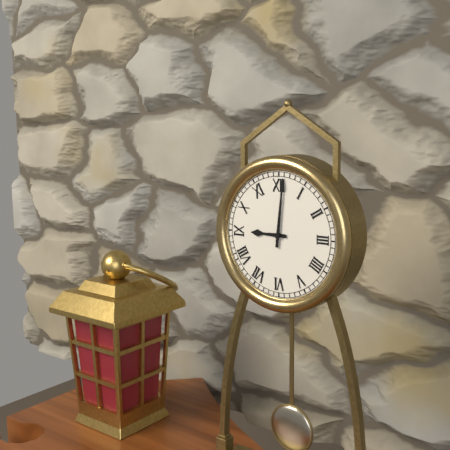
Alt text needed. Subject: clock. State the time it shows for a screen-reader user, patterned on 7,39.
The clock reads 9,01
